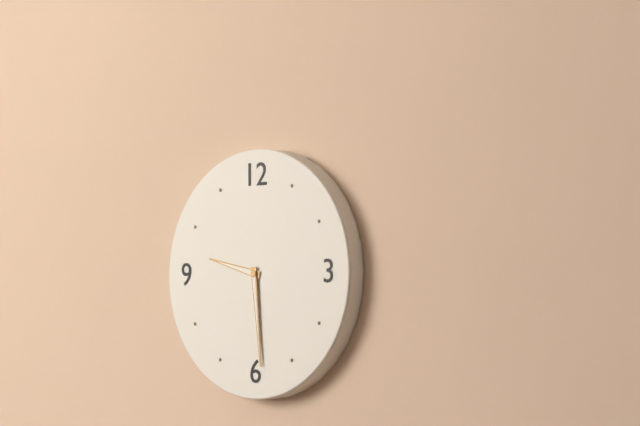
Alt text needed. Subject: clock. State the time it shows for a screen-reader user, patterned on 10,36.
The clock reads 9,29
